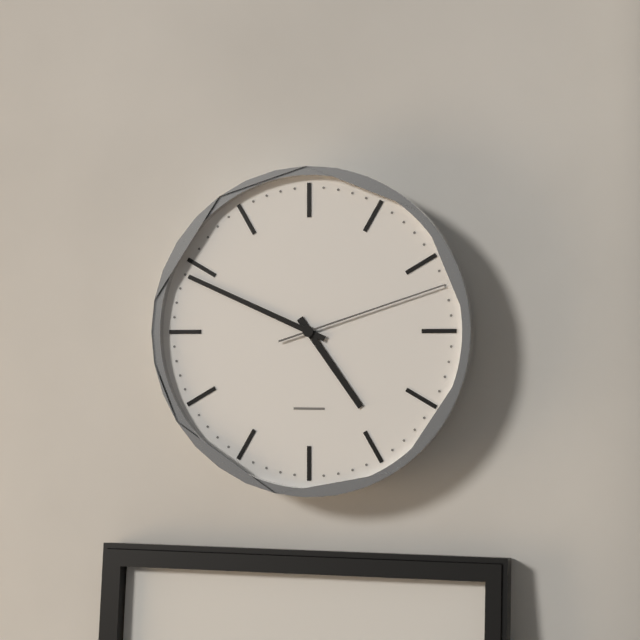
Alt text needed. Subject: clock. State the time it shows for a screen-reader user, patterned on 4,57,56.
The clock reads 4,49,12
